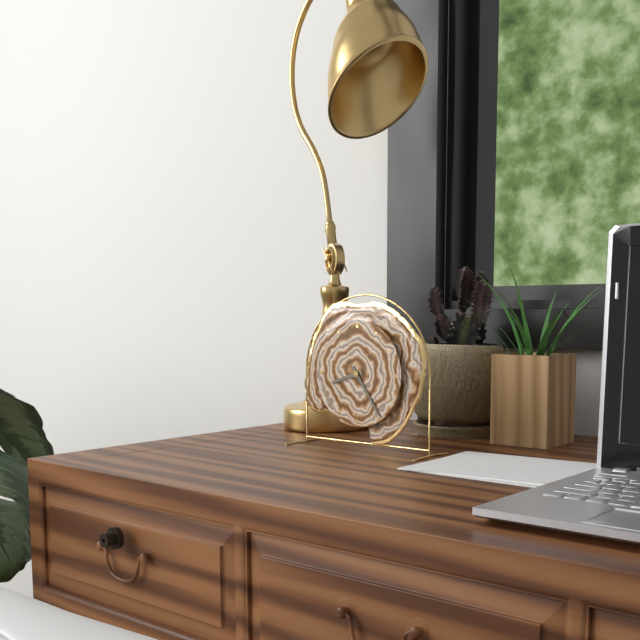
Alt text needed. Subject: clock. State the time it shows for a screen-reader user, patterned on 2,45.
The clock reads 8,24
